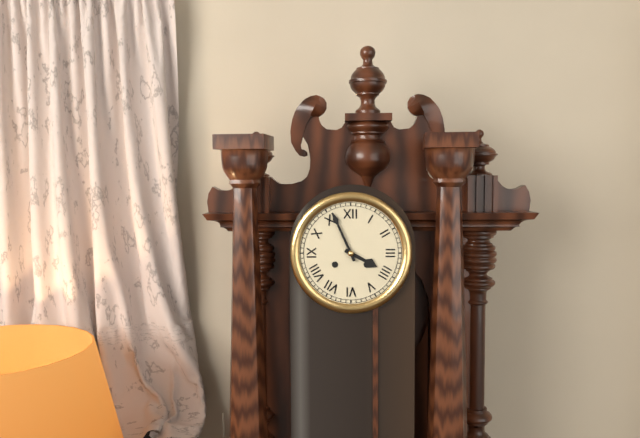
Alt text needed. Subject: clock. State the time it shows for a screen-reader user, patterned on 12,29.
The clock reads 3,56
